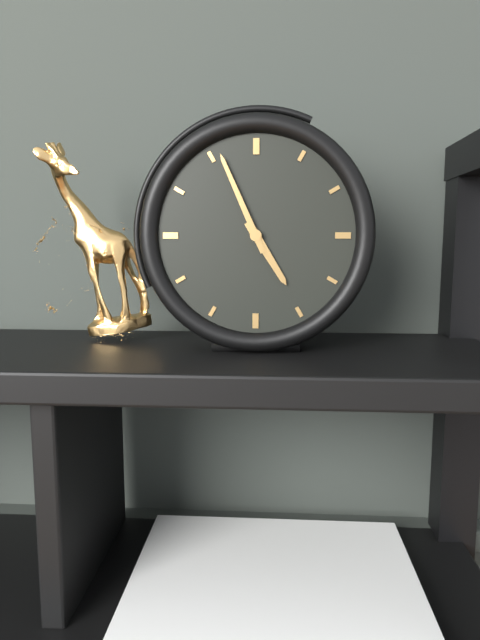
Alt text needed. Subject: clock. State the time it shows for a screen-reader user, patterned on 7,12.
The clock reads 4,56
